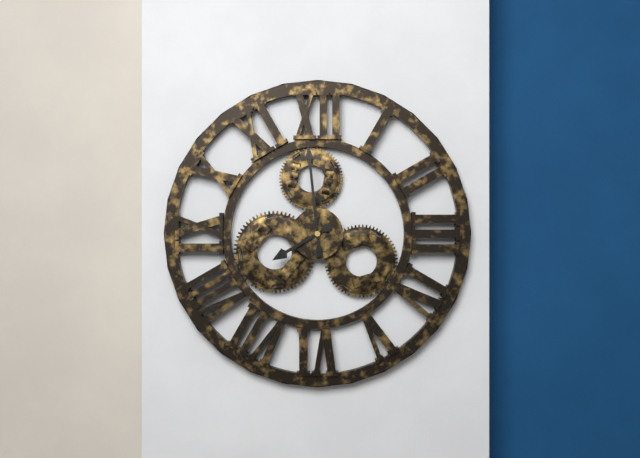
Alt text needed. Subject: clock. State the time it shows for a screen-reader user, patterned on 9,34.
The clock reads 7,59
